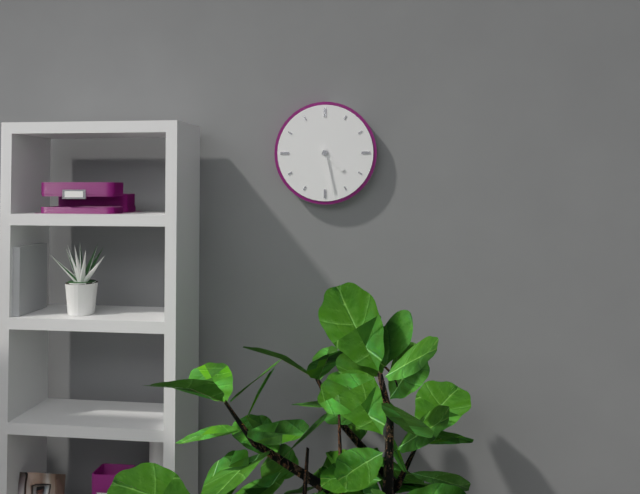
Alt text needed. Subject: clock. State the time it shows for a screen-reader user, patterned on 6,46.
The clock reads 4,28
